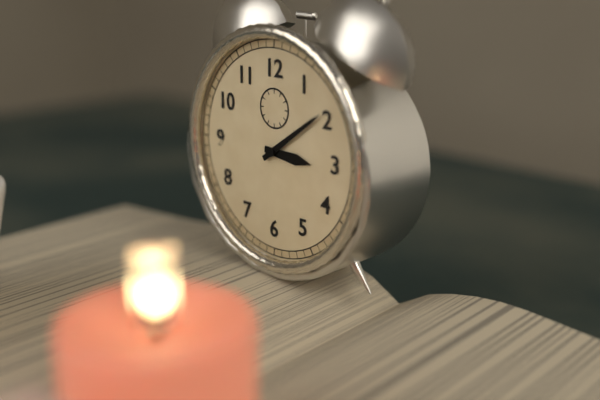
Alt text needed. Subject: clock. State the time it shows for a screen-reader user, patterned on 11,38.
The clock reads 3,09
